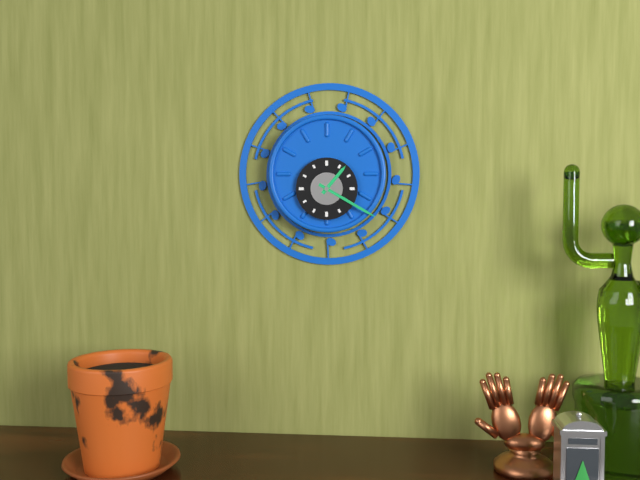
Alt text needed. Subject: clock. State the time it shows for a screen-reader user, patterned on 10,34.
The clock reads 1,20
